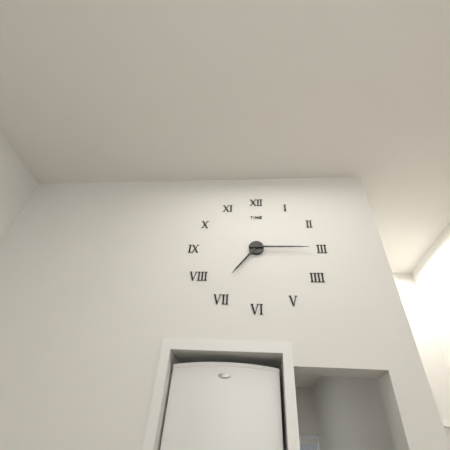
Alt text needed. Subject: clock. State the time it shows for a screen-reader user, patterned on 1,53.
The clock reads 7,15
